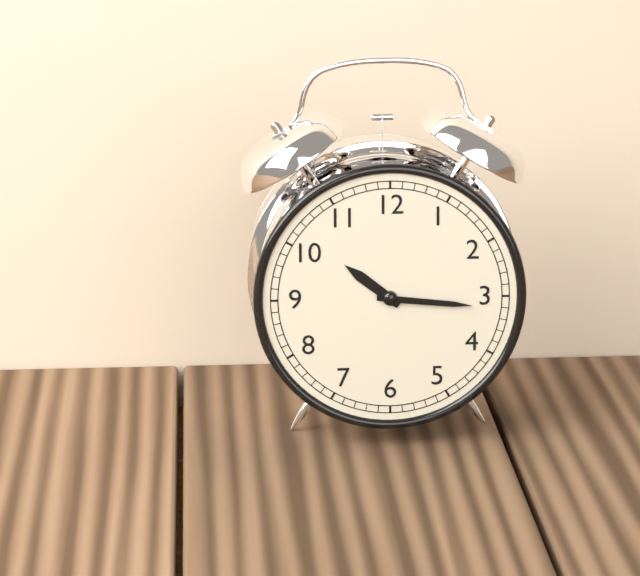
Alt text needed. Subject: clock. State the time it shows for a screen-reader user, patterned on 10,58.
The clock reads 10,16
